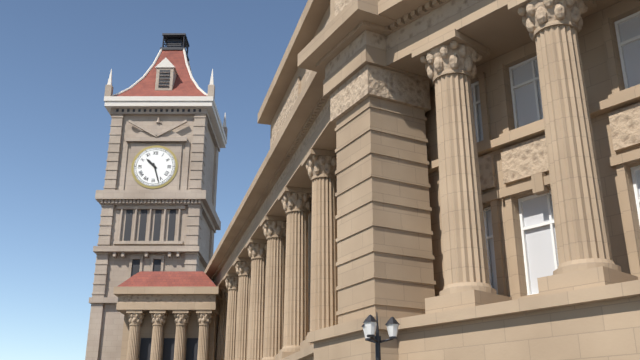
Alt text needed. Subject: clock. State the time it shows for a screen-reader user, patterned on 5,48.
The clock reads 10,27
